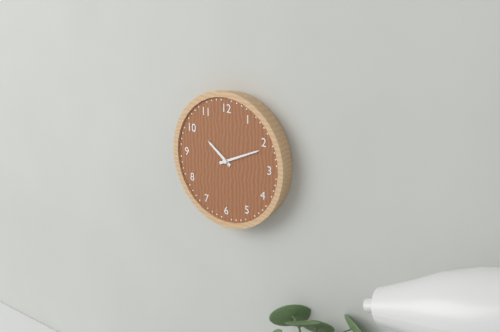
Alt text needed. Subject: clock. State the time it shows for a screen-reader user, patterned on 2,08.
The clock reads 10,11
